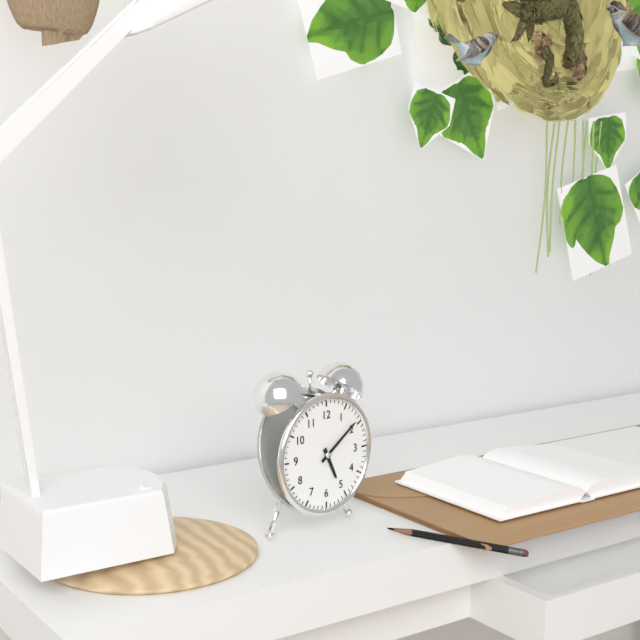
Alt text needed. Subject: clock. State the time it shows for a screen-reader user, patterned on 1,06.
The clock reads 5,09
